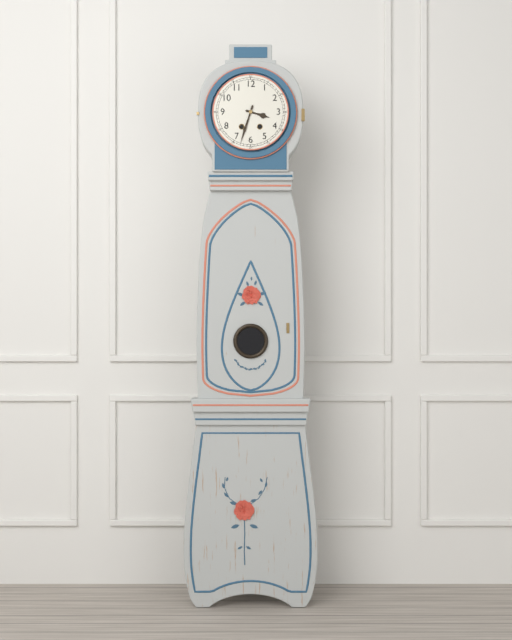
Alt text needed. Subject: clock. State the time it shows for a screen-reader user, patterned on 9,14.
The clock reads 3,33
